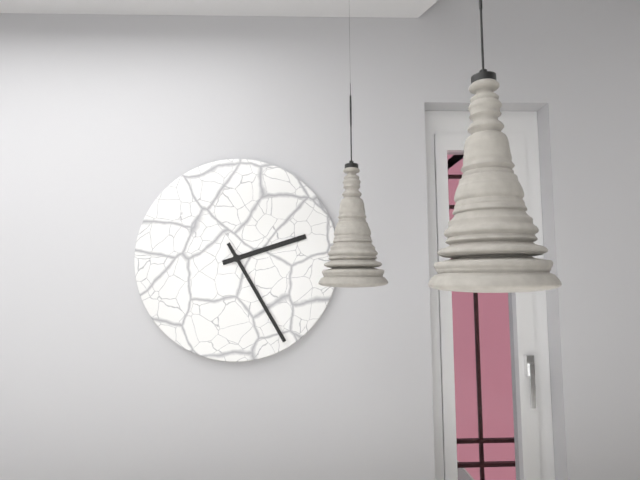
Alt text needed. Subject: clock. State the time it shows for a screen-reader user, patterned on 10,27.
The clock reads 2,25
